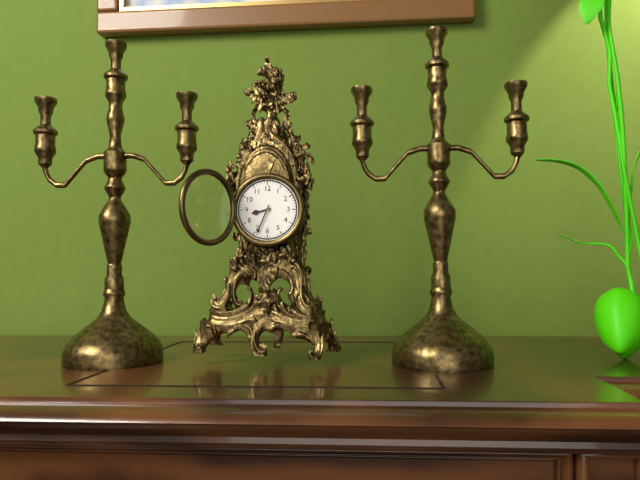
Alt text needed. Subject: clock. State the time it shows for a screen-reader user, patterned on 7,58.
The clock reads 8,34
